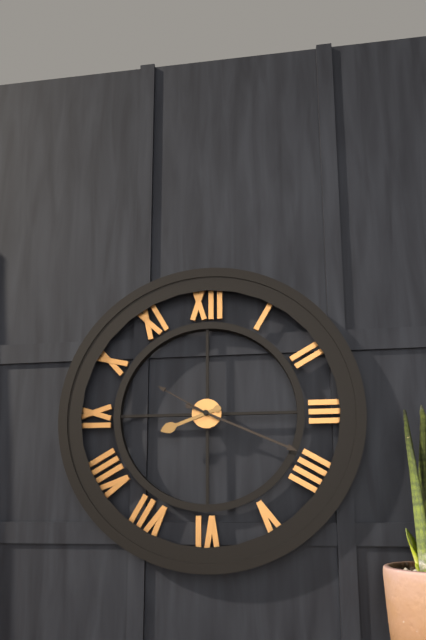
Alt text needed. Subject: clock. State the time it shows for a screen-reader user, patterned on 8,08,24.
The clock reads 8,19,50
